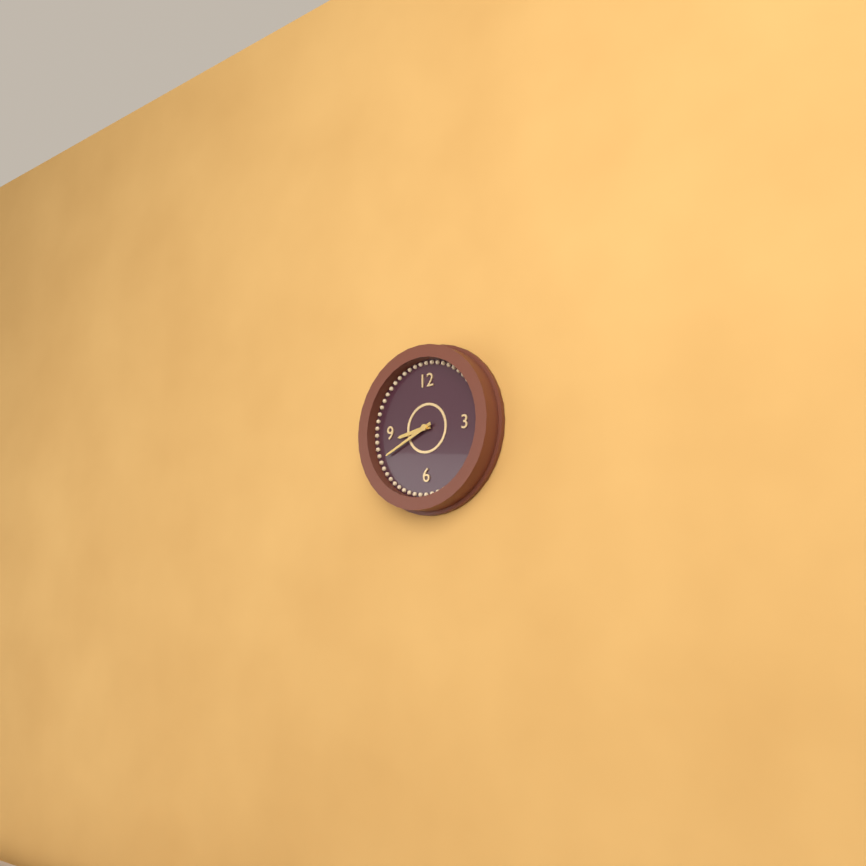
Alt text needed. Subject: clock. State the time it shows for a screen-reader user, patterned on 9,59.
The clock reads 8,41
